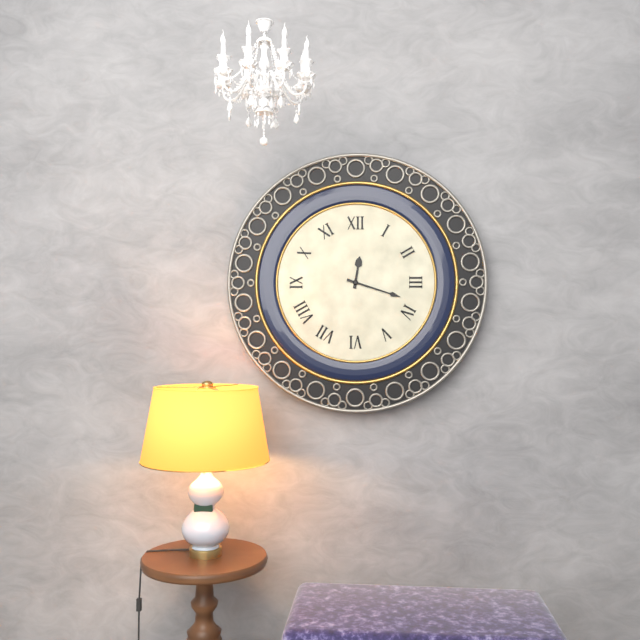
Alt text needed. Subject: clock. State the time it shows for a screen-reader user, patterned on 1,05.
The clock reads 12,18
